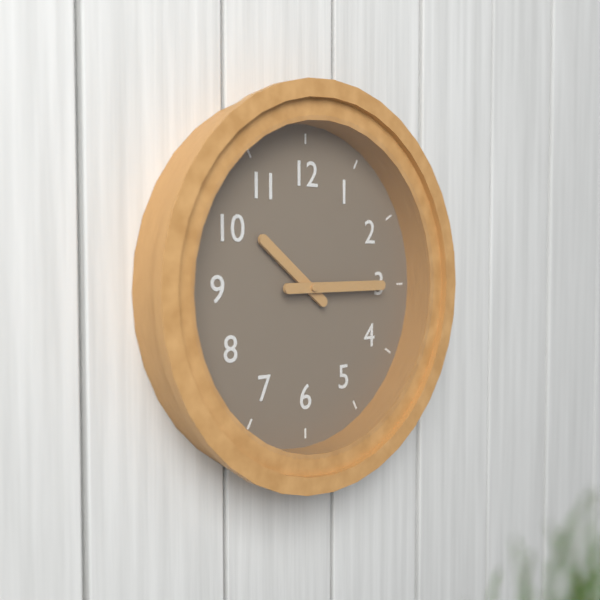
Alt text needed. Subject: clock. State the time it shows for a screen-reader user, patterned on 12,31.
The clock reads 10,15
